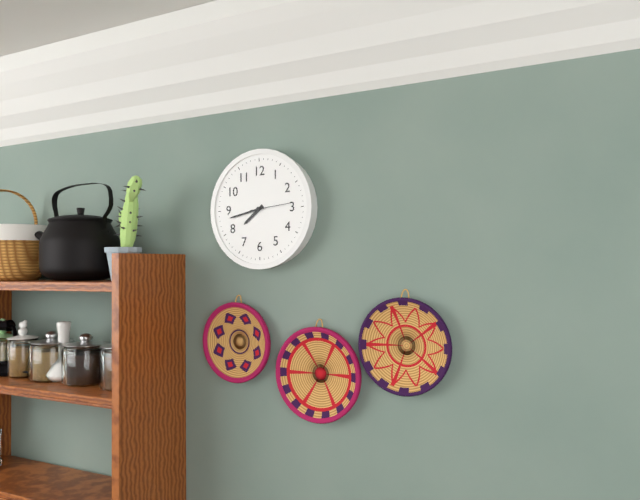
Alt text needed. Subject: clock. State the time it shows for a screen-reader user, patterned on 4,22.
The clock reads 7,43
